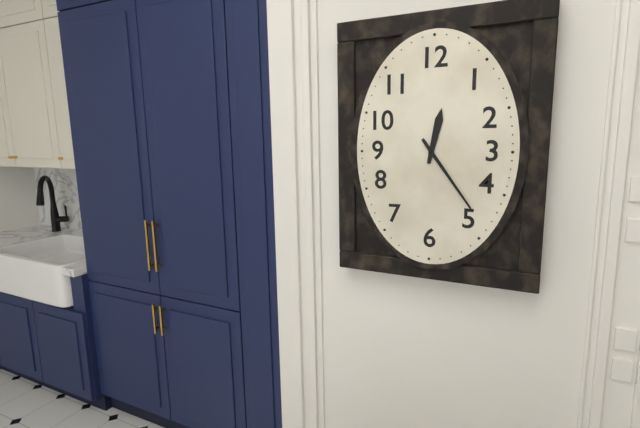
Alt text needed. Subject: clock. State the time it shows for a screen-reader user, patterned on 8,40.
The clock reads 12,24
